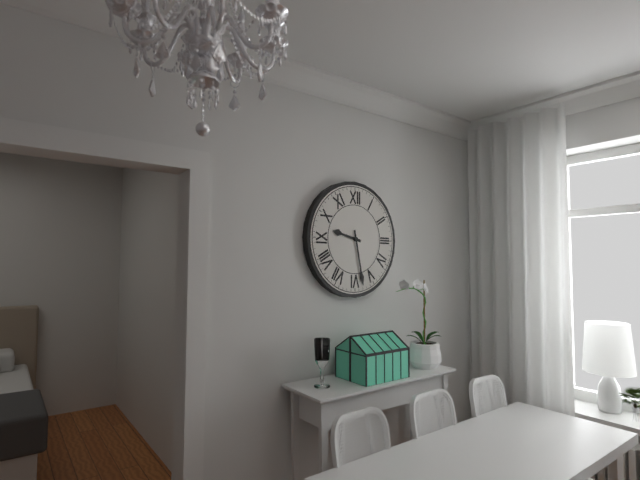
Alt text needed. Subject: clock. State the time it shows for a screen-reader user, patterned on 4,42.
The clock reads 9,28
